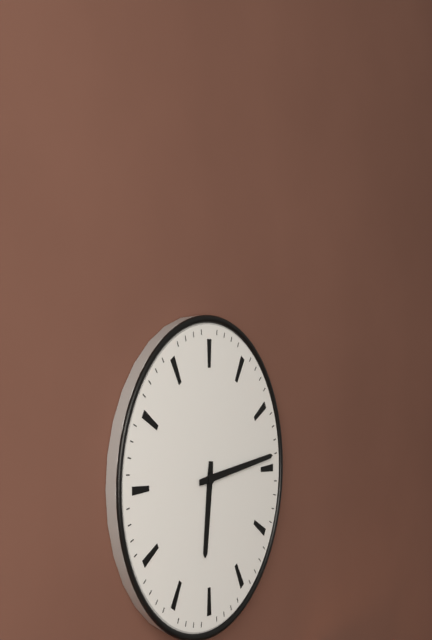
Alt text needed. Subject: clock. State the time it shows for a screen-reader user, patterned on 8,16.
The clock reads 6,14
